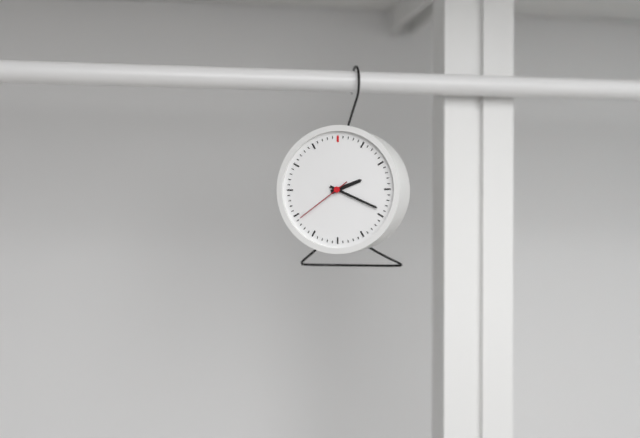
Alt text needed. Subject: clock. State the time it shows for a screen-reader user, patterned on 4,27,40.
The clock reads 2,19,39
